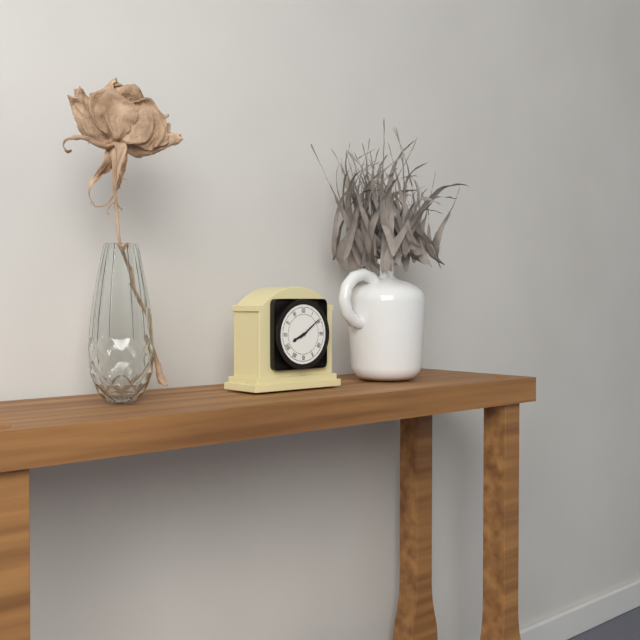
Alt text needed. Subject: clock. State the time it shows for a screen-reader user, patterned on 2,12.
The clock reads 8,09
